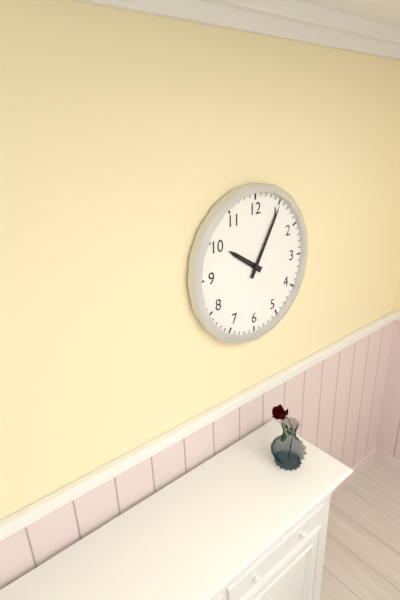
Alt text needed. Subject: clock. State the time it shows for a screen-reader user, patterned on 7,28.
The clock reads 10,05
